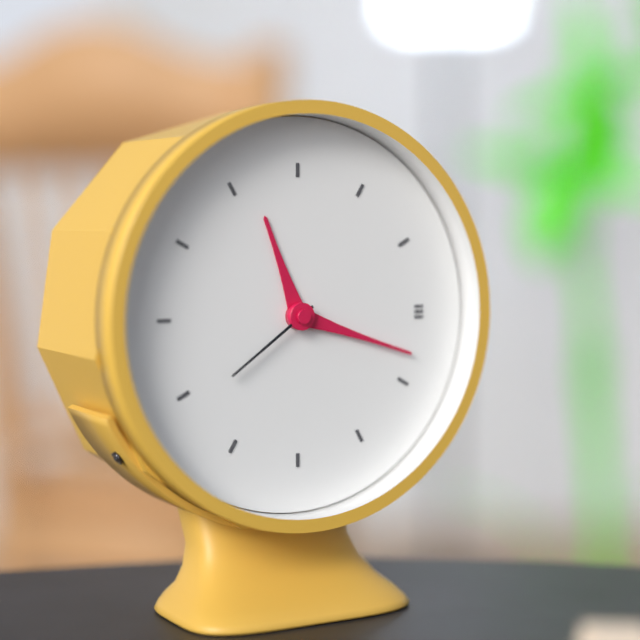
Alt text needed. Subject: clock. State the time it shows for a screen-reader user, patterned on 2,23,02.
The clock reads 11,18,39
